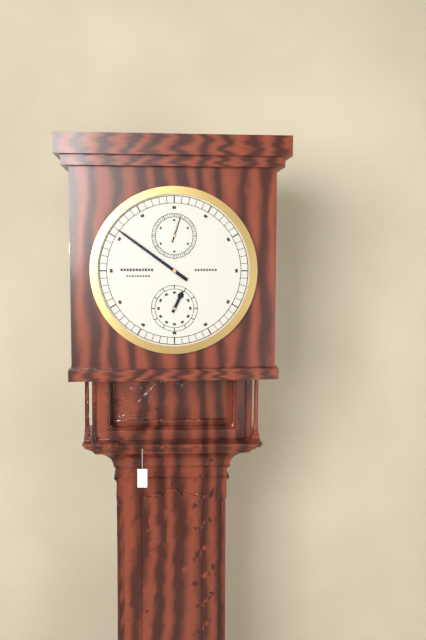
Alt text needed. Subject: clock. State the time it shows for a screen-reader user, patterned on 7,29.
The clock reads 12,51
